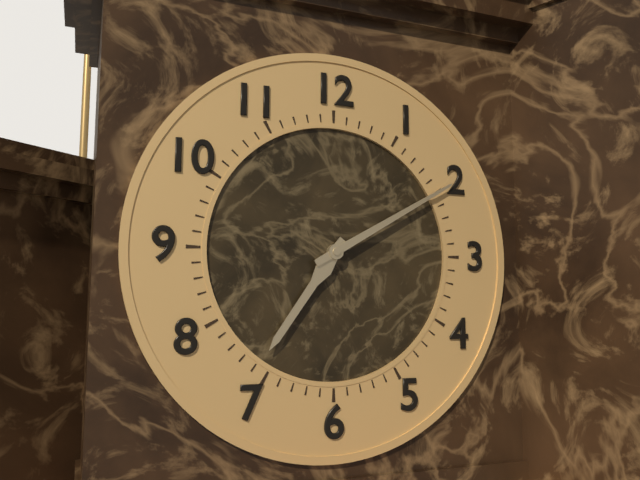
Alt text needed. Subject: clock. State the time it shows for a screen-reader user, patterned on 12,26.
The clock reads 7,10
